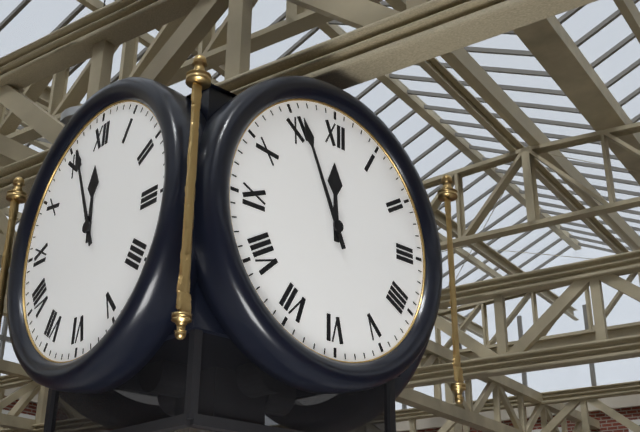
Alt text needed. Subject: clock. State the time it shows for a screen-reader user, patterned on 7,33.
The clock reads 11,56
